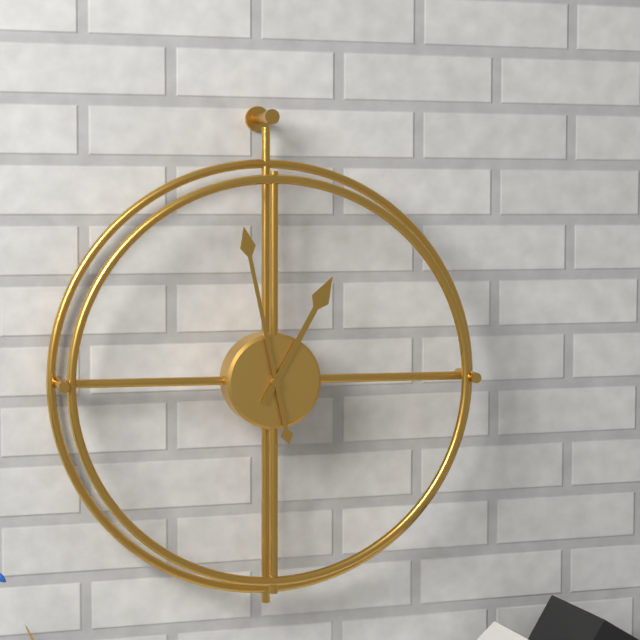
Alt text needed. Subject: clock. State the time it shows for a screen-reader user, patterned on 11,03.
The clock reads 12,58
